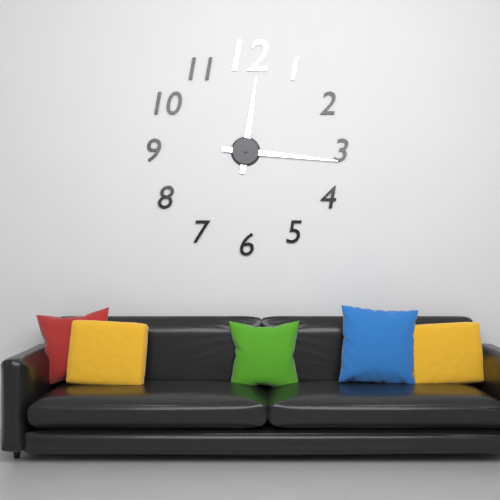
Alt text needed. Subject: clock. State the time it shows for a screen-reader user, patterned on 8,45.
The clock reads 12,16
